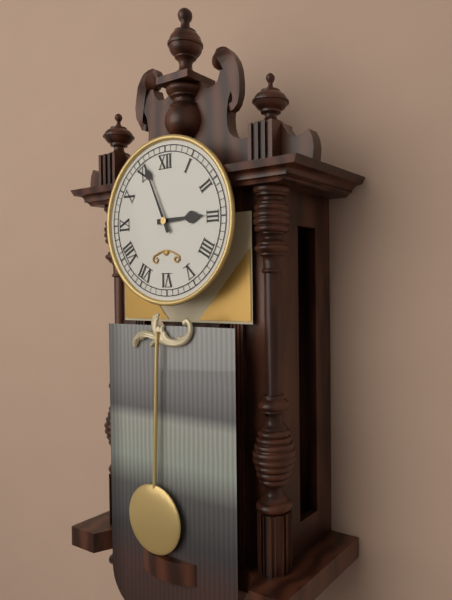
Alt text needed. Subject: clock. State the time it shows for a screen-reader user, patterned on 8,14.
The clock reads 2,56
